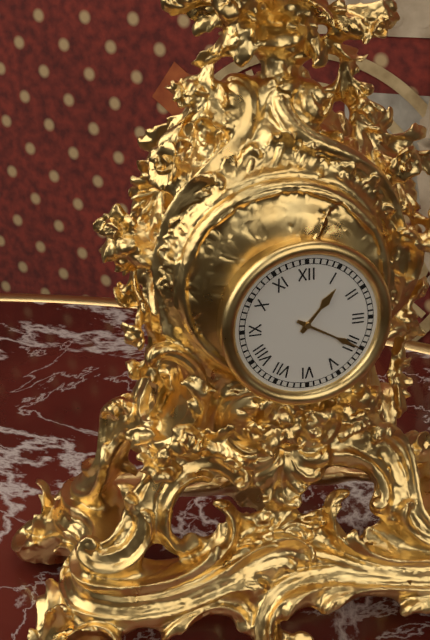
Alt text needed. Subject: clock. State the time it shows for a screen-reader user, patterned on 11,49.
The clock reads 1,20
